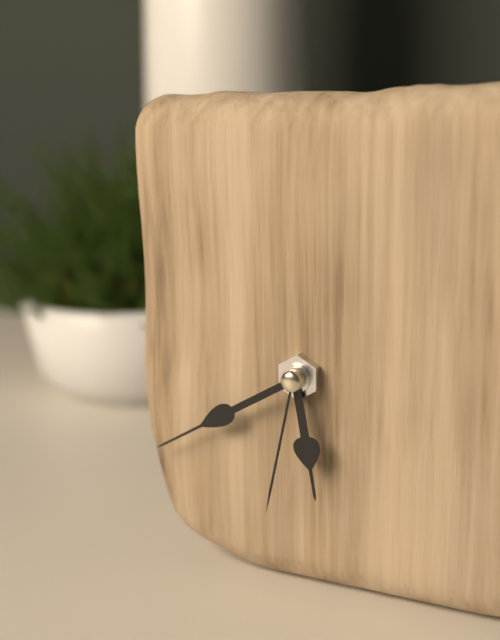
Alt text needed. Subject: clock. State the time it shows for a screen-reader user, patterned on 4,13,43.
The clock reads 5,40,32
